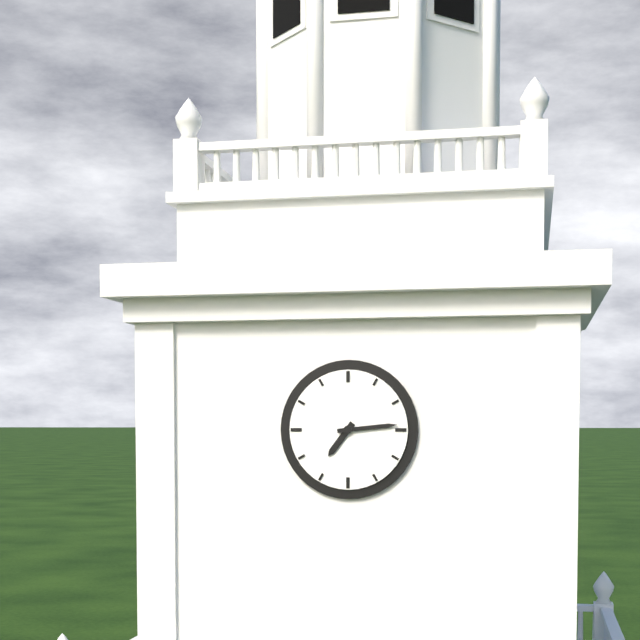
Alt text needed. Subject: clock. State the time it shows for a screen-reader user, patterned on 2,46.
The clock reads 7,14
